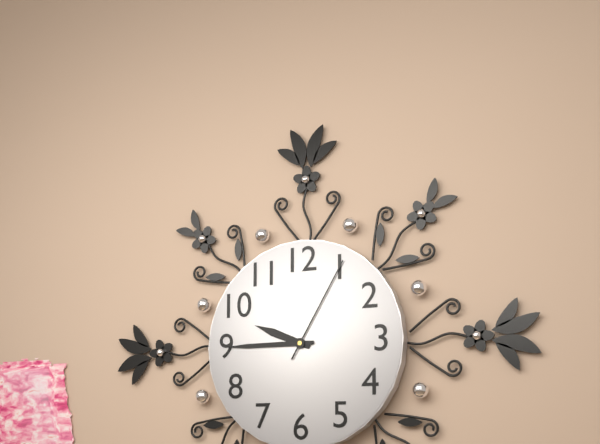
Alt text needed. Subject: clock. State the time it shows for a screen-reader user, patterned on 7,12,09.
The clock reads 9,45,05
